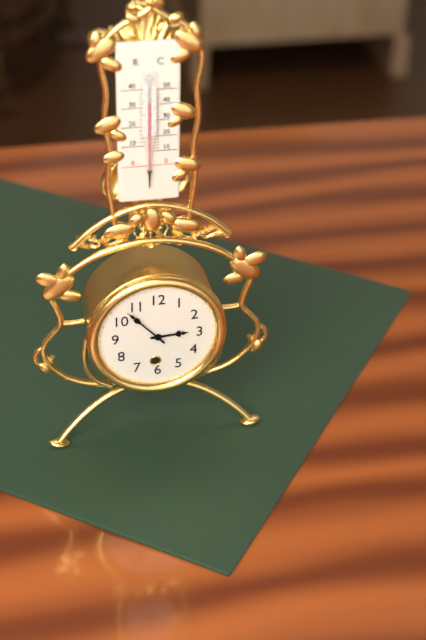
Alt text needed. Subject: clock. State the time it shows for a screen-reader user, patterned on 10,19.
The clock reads 2,53
